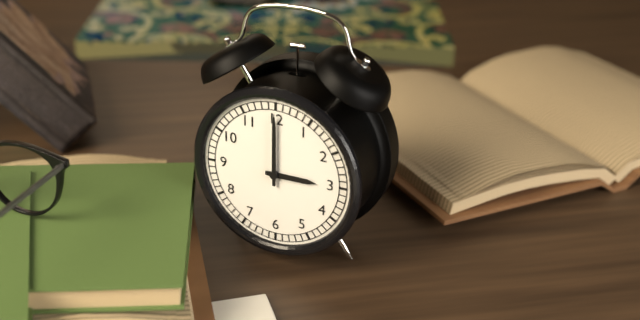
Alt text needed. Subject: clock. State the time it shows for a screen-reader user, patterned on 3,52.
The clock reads 3,00
